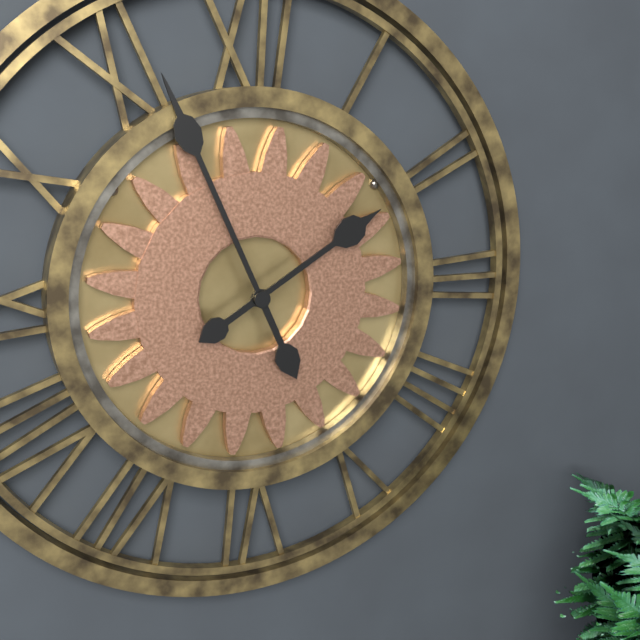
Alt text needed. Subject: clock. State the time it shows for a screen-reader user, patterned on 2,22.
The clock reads 1,56
